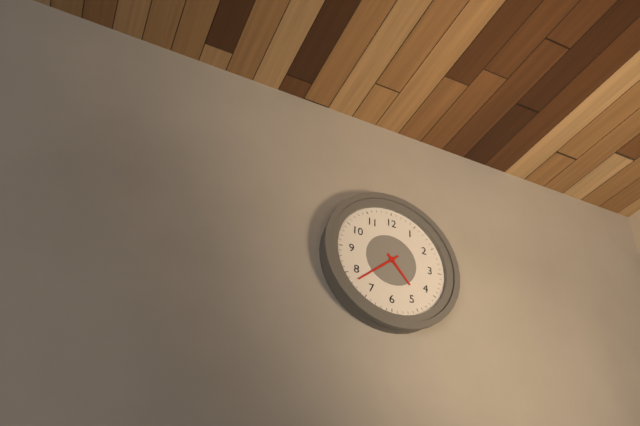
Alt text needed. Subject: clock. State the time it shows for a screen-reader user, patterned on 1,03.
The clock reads 4,38
